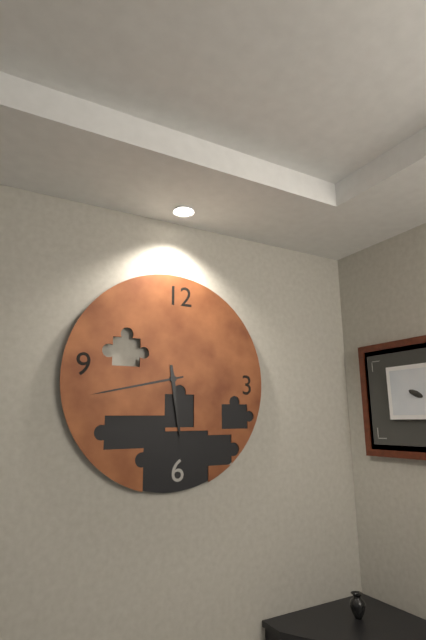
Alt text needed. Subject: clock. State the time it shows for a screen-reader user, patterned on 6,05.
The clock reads 5,43
